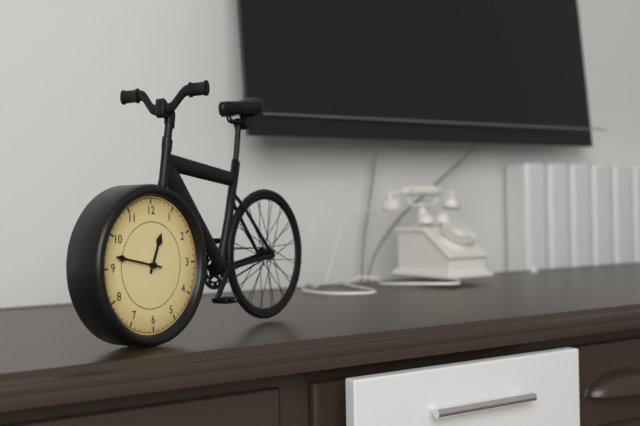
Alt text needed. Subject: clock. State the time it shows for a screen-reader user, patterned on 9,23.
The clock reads 12,47
